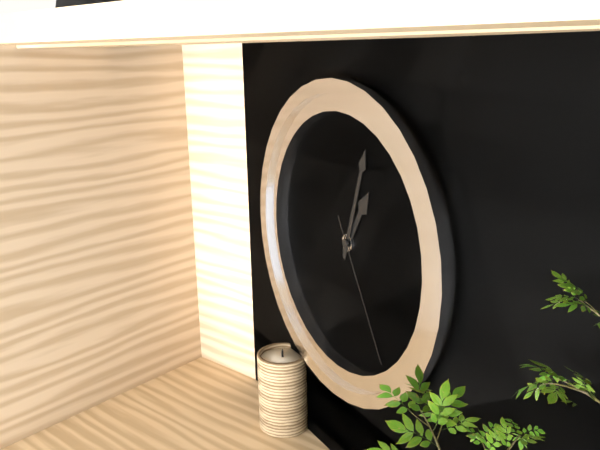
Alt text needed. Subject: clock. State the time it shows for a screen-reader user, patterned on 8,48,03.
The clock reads 1,03,25
